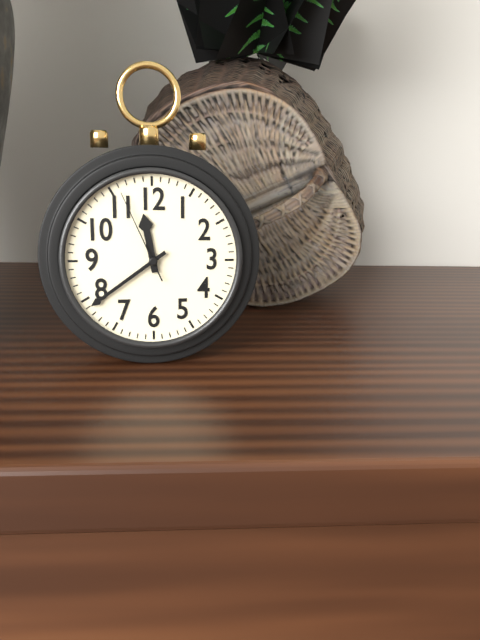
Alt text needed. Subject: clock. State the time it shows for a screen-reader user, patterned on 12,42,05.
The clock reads 11,39,56
